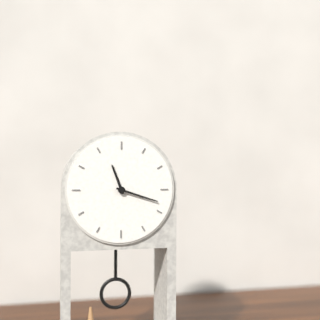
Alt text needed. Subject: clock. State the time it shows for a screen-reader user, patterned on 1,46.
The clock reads 11,18
